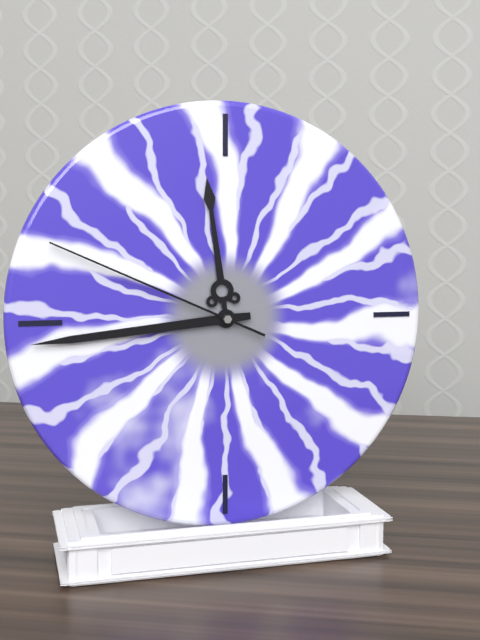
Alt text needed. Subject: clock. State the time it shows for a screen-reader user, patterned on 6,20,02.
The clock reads 11,44,49
